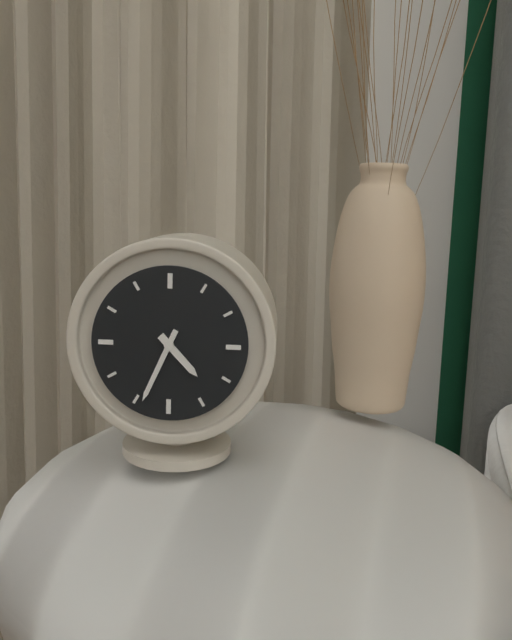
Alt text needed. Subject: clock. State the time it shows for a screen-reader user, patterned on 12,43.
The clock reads 4,34
